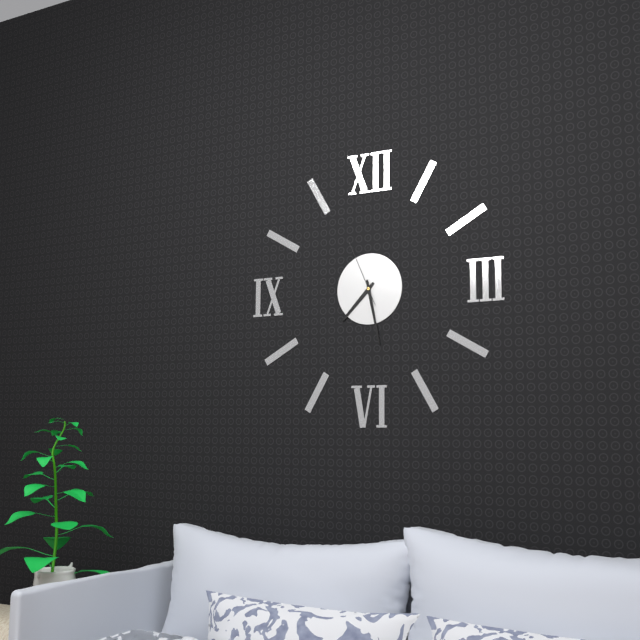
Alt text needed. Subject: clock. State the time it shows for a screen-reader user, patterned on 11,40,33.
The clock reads 7,28,56
